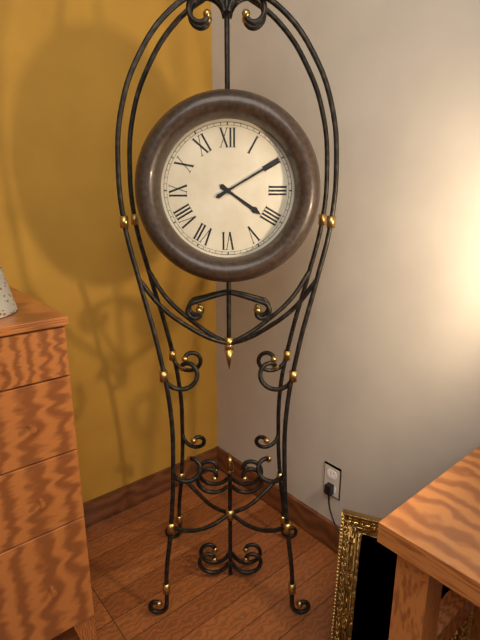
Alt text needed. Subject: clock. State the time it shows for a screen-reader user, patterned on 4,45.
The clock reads 4,10
